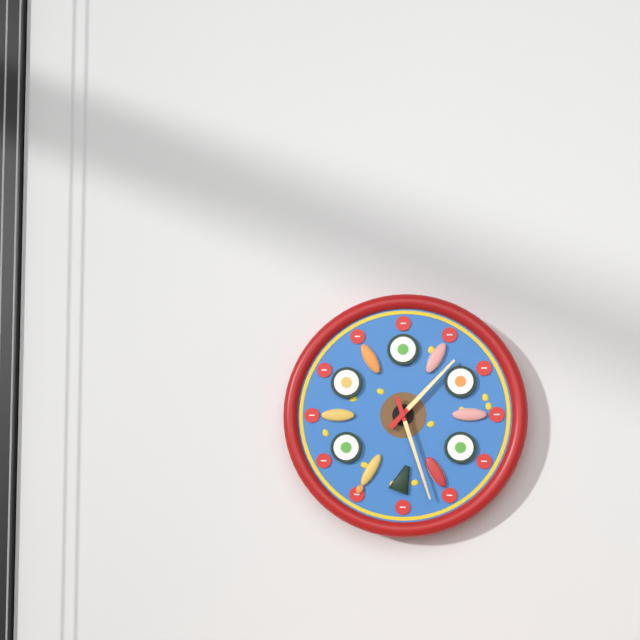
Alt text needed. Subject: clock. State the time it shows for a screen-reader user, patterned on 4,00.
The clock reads 1,27
